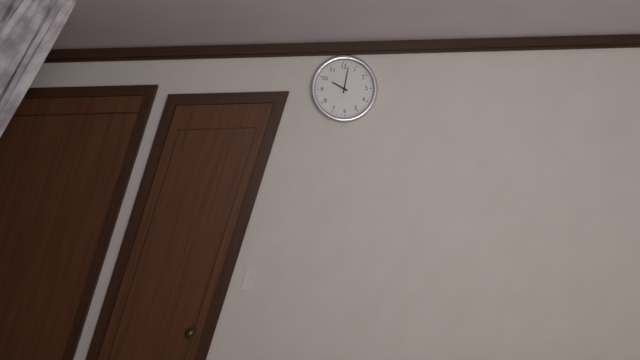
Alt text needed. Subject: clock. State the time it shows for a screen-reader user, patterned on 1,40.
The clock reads 10,02
